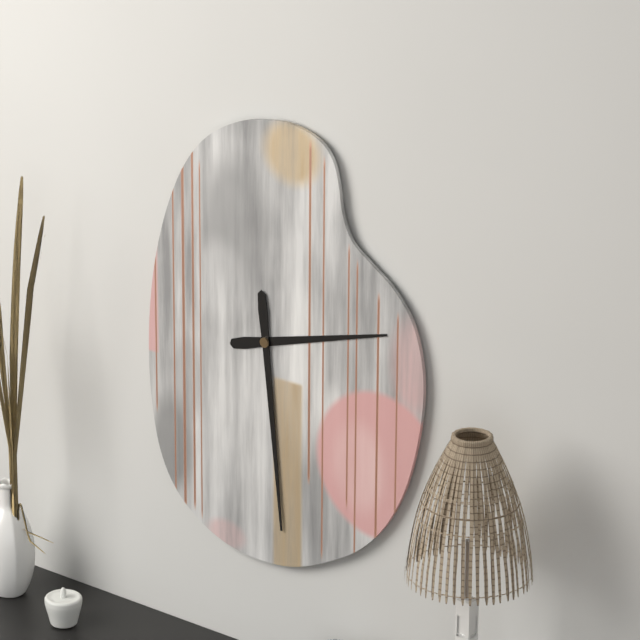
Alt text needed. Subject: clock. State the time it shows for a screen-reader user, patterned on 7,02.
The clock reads 2,29
